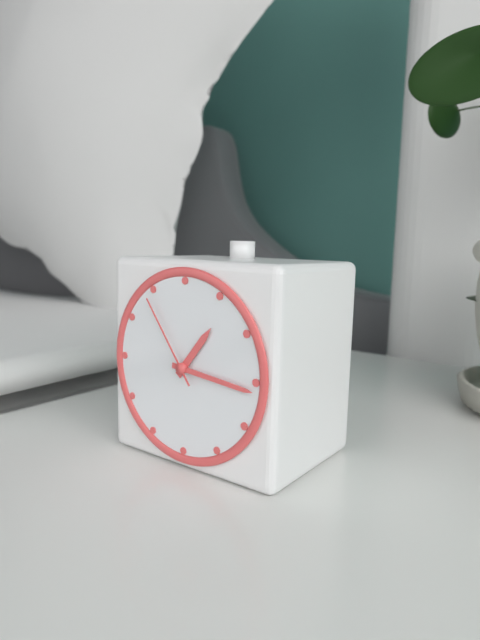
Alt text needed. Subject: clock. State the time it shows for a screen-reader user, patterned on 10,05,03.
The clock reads 1,16,54
